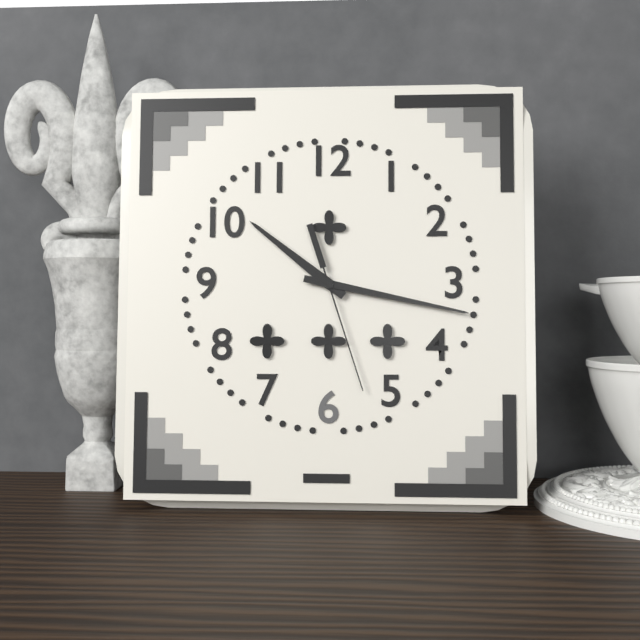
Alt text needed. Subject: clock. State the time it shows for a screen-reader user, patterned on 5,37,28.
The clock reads 10,17,27
